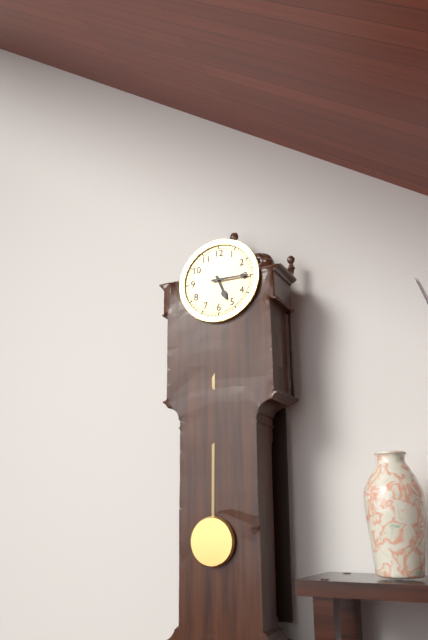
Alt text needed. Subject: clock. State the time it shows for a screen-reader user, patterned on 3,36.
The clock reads 5,15
